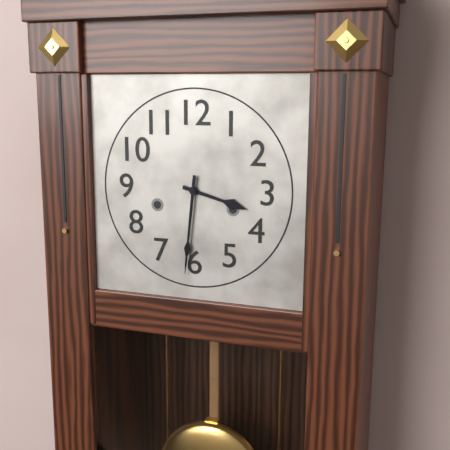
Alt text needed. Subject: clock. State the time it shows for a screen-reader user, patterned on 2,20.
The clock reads 3,31
